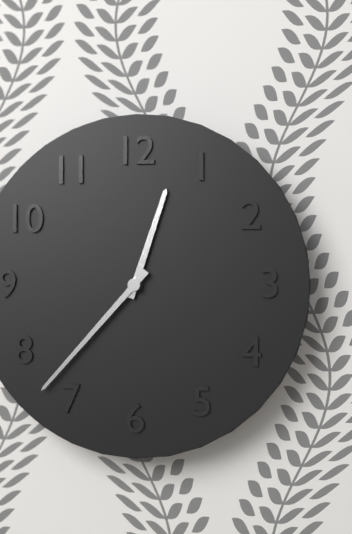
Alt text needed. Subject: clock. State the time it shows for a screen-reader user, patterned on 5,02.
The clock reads 12,37
